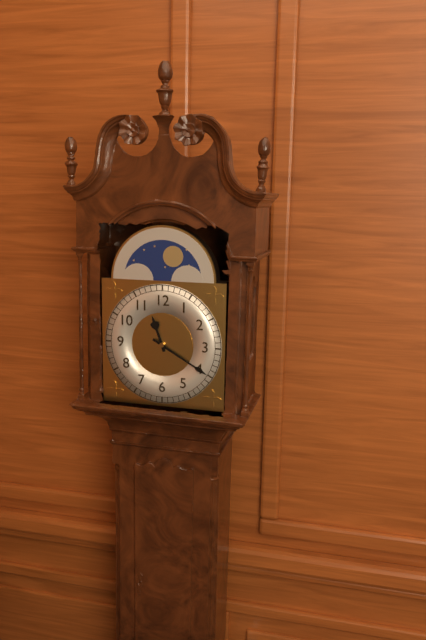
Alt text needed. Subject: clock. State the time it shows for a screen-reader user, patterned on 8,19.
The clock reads 11,20
